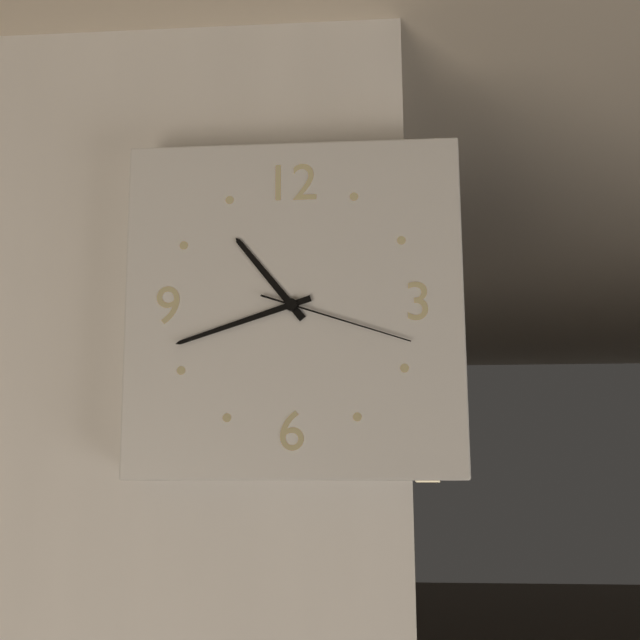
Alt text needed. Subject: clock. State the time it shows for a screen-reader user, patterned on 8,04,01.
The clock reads 10,42,18
